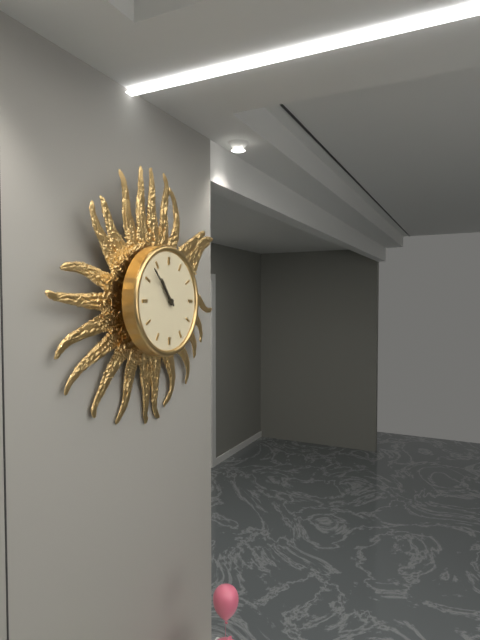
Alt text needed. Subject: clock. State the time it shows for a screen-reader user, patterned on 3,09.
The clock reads 10,53
